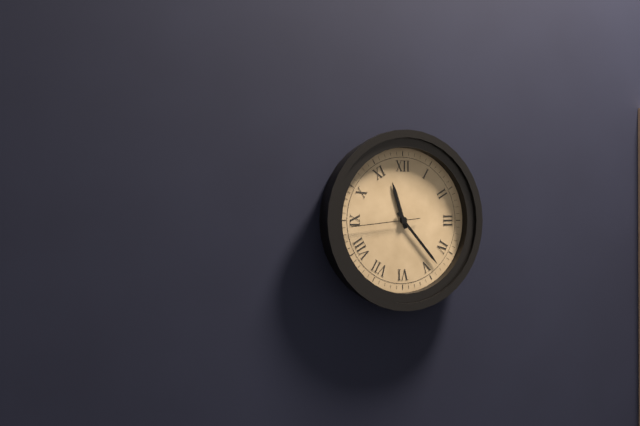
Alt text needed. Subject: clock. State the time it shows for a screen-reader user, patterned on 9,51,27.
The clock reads 11,23,44
